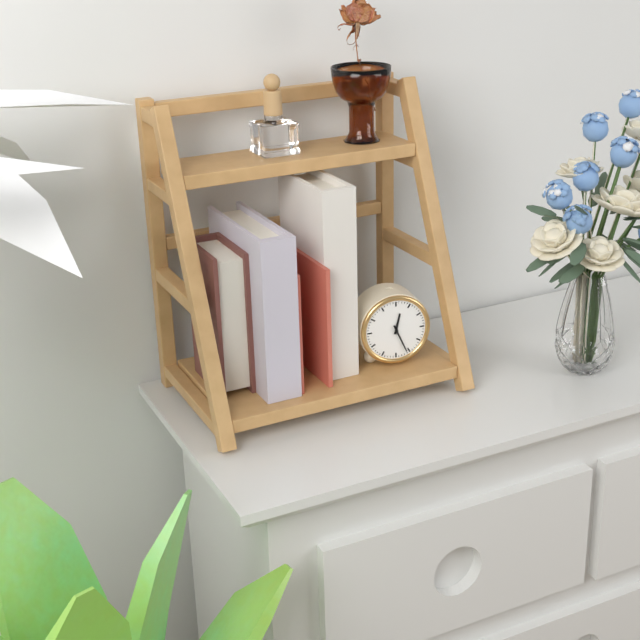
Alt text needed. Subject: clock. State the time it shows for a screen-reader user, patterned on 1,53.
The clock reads 12,26
